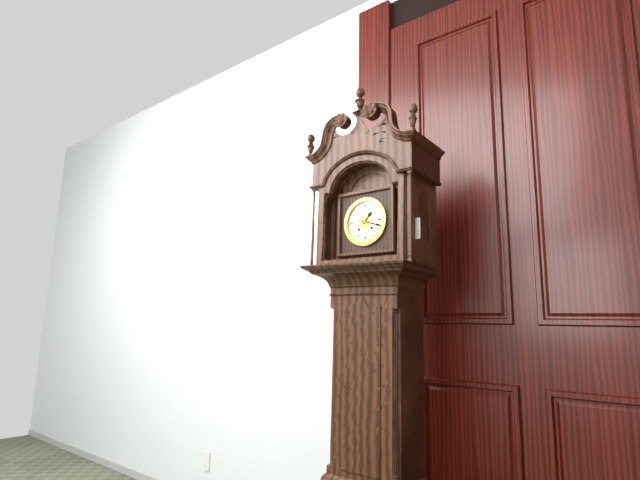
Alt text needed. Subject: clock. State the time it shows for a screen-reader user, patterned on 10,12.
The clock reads 1,18
